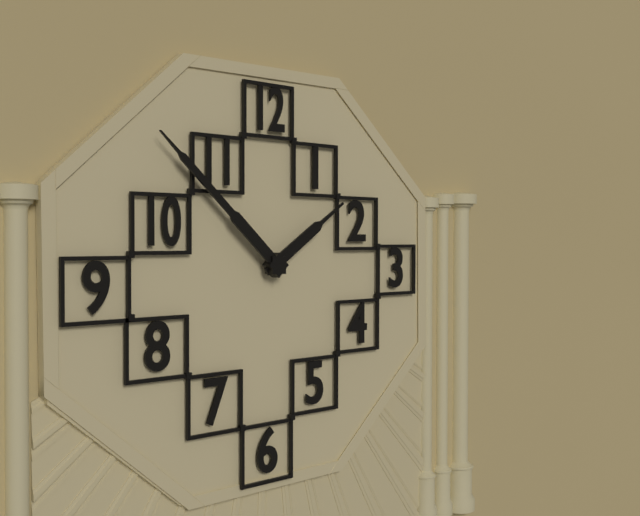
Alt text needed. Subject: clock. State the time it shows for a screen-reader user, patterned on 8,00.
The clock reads 1,52
